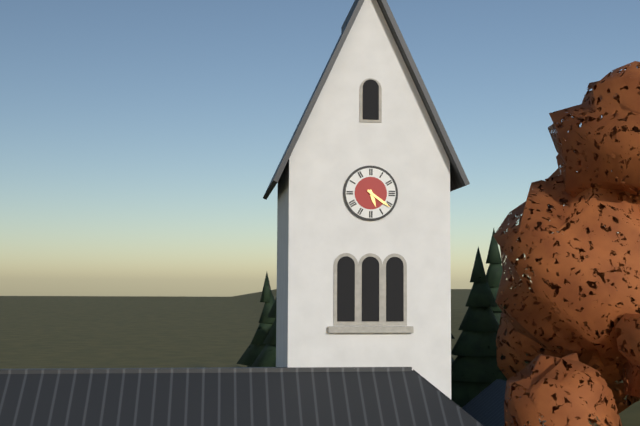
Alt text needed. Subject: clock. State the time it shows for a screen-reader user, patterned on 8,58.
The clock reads 5,21
